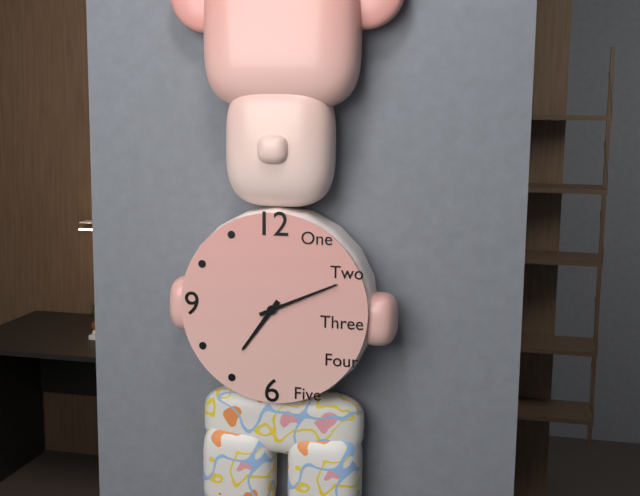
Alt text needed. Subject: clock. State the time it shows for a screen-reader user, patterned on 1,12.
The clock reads 7,11
